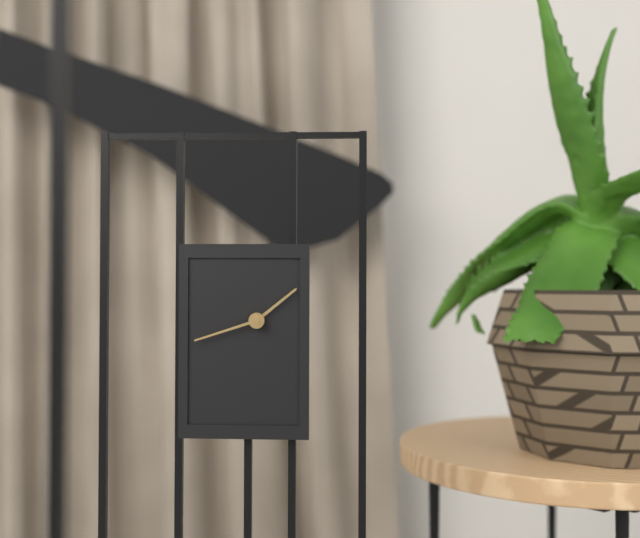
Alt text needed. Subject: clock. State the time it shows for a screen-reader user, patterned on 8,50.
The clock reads 1,42
